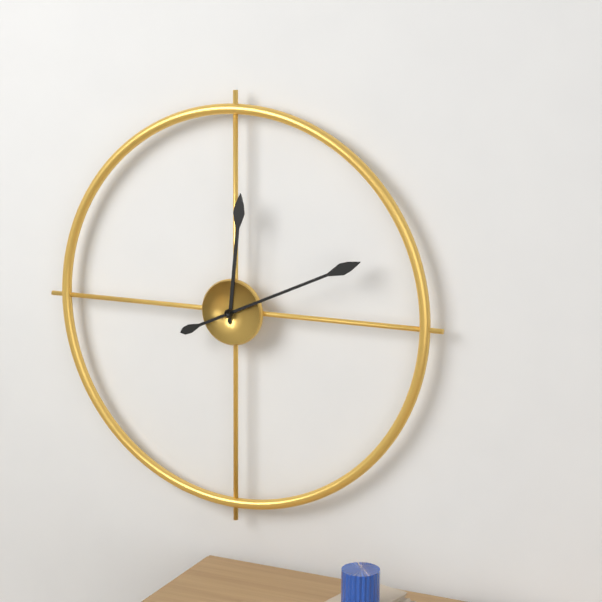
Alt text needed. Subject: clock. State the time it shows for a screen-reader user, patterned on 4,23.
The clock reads 12,11
